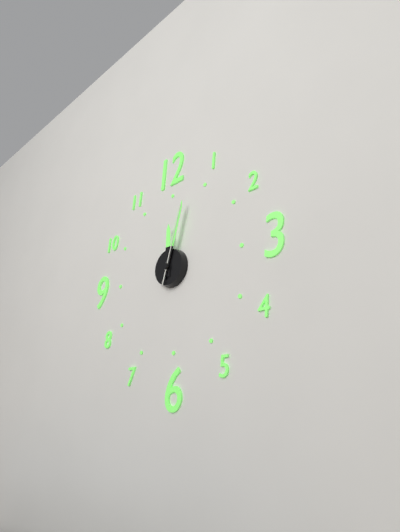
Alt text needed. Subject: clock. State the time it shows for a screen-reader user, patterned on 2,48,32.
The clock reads 12,03,03
